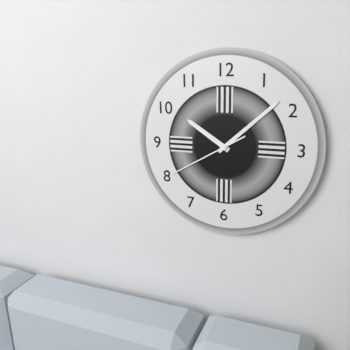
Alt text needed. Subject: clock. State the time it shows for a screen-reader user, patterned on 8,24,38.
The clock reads 10,08,40
